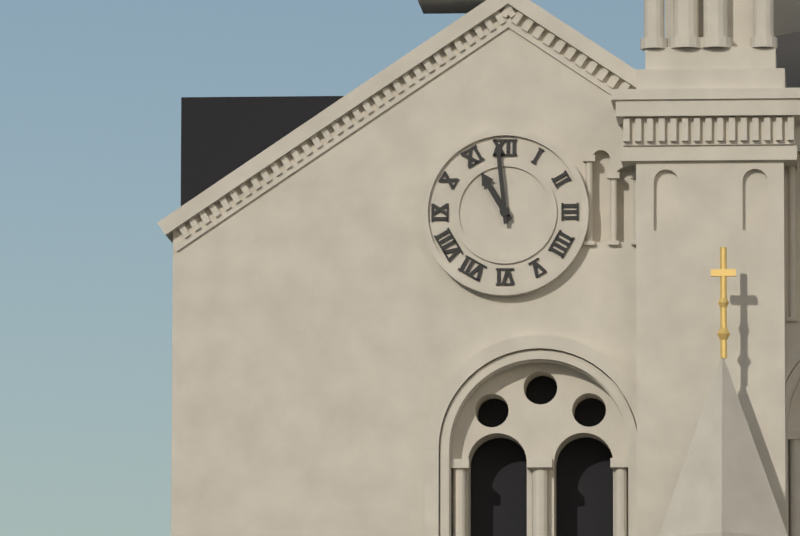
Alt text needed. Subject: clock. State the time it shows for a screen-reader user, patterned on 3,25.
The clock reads 10,59
